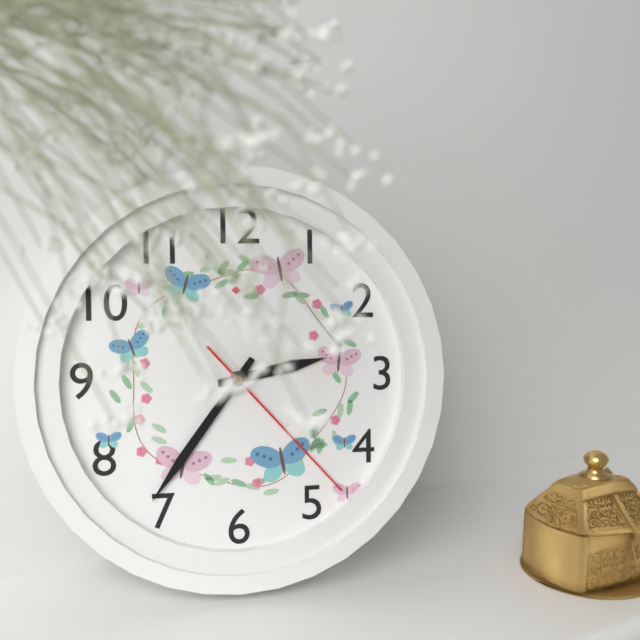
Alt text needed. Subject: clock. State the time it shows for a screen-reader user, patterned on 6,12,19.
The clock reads 2,36,23
